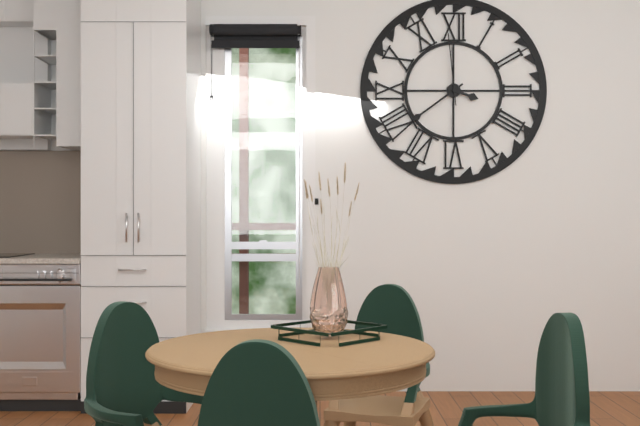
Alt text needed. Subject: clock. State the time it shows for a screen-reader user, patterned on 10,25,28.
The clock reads 3,39,59
